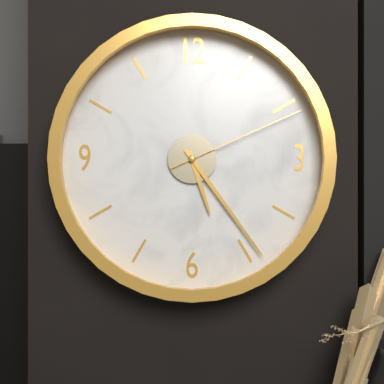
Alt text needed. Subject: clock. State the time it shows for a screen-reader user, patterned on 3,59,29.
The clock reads 5,24,11
